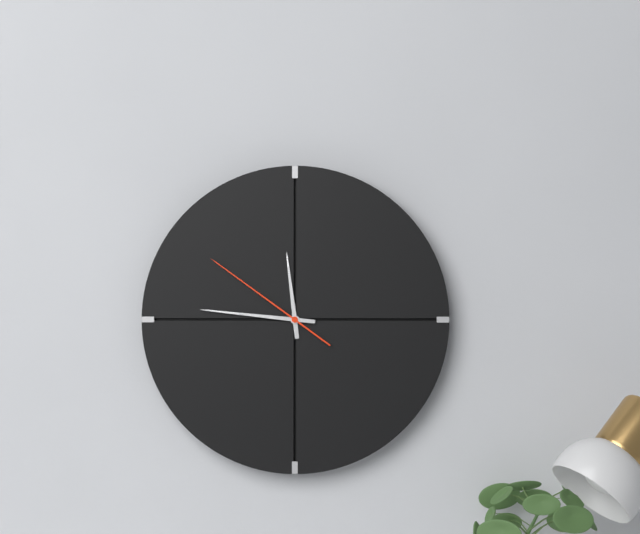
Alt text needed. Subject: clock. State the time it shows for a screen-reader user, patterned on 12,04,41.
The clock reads 11,46,51
